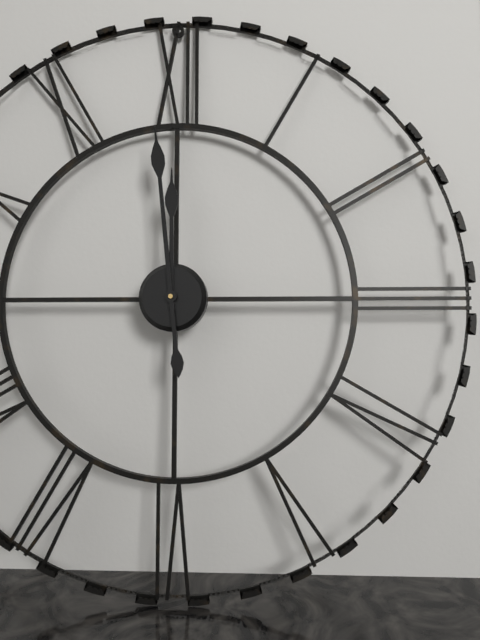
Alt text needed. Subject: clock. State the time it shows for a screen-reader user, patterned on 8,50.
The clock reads 11,59
